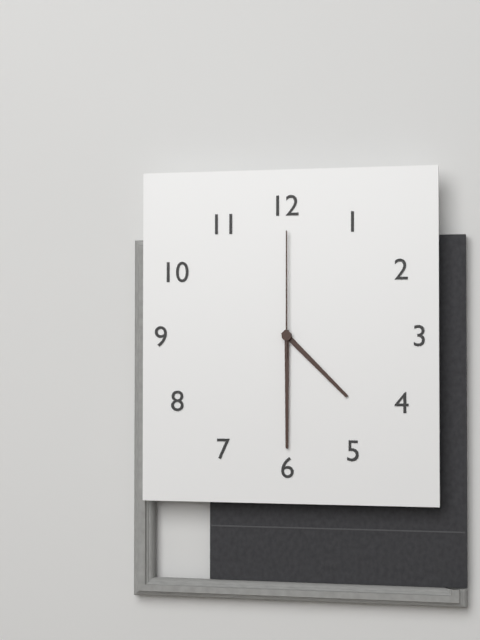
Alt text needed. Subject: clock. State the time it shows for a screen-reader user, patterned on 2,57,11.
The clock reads 4,30,00
